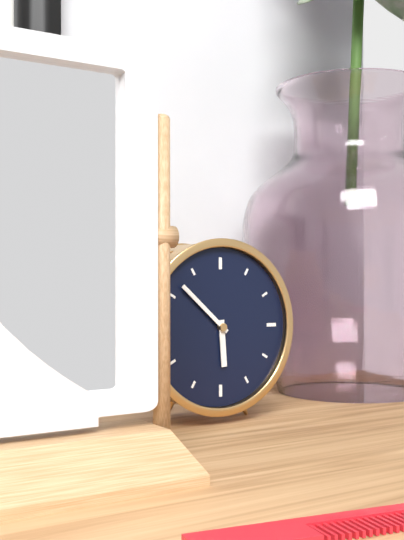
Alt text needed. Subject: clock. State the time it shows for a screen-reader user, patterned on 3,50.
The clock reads 5,52
